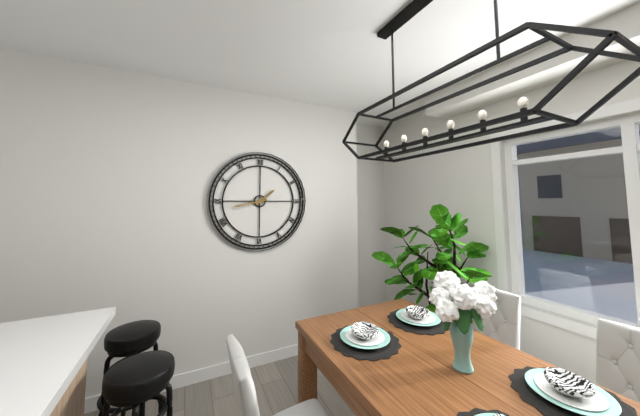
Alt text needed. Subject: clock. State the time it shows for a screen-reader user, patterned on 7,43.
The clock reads 1,43
